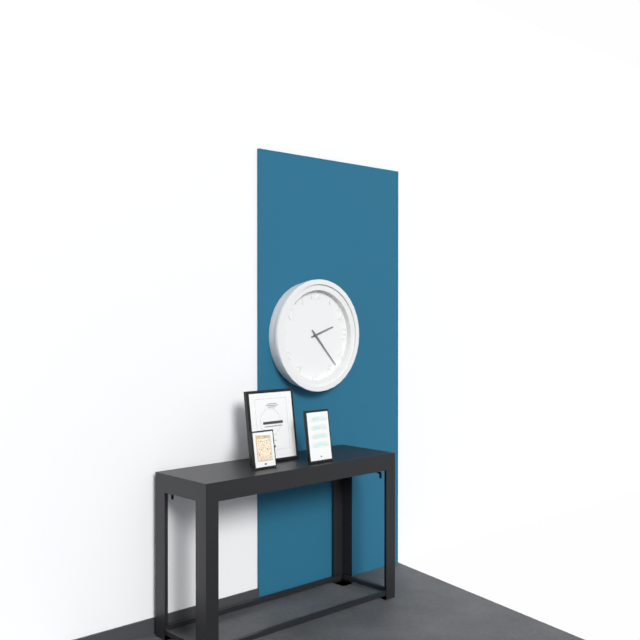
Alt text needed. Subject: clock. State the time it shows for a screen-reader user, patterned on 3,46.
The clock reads 2,23
